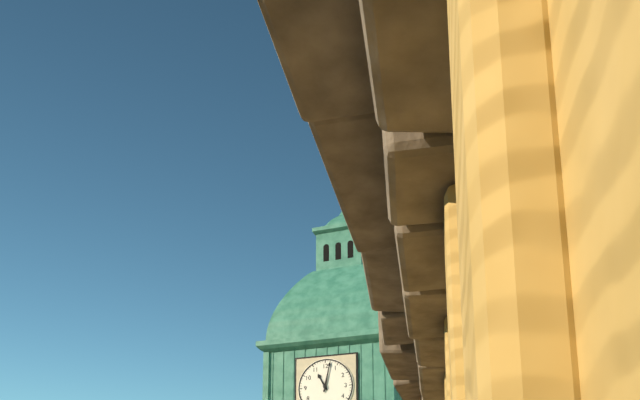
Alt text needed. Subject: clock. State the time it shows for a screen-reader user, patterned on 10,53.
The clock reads 11,02
